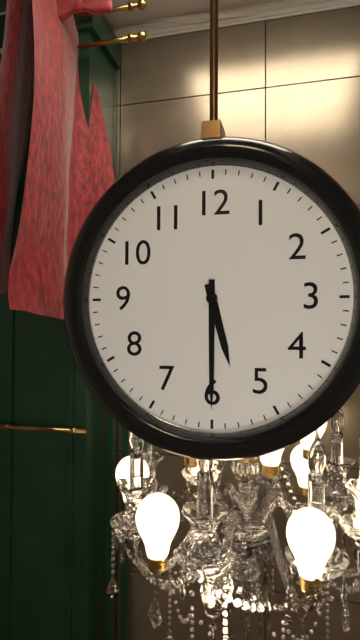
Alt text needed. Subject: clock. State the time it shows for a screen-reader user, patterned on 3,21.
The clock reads 5,30
